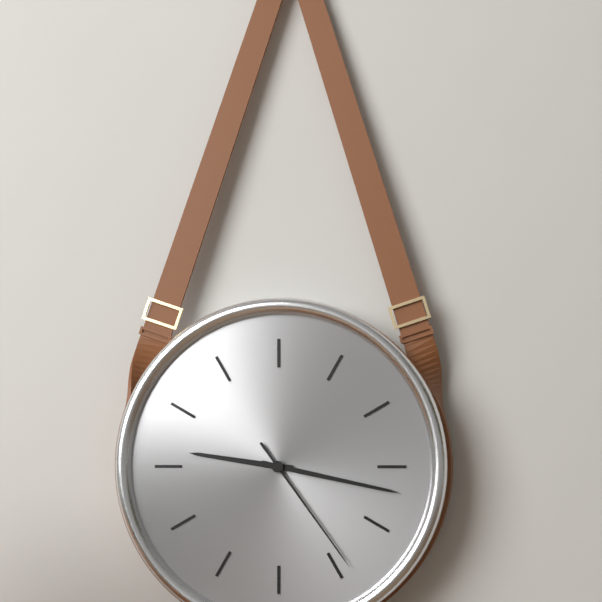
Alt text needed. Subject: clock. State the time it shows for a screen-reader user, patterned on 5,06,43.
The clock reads 9,17,24
